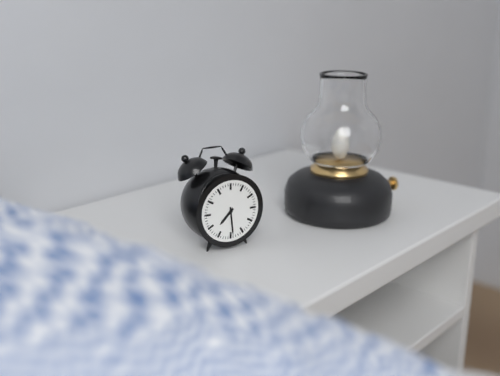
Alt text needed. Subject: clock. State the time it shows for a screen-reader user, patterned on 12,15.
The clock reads 7,29
